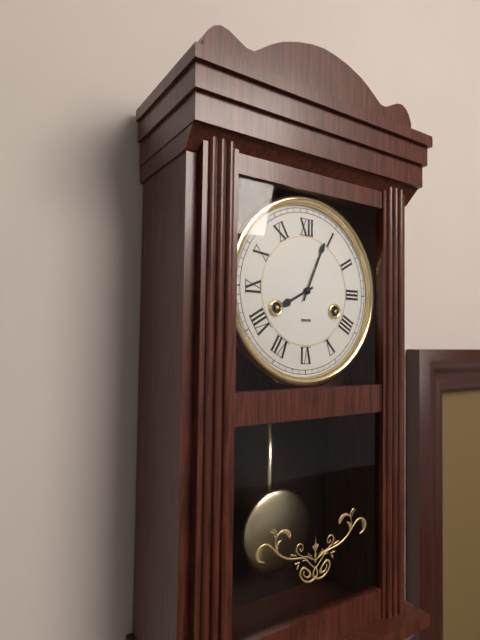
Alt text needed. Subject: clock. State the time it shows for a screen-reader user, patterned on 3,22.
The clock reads 8,04
